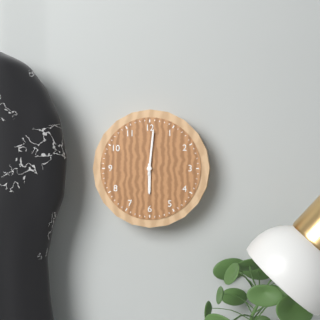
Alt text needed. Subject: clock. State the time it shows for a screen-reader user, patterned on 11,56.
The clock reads 6,01
